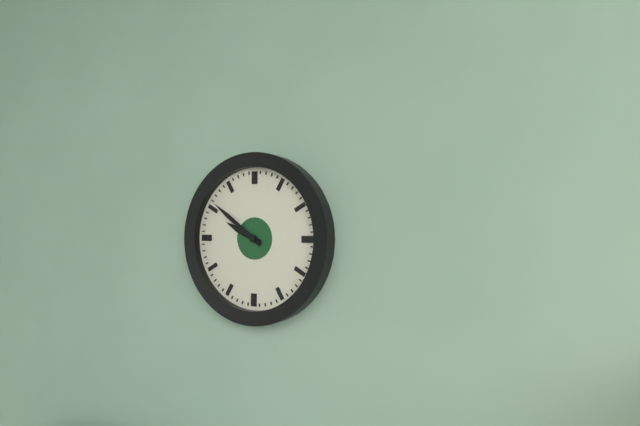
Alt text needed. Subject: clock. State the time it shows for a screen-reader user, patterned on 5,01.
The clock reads 9,51
